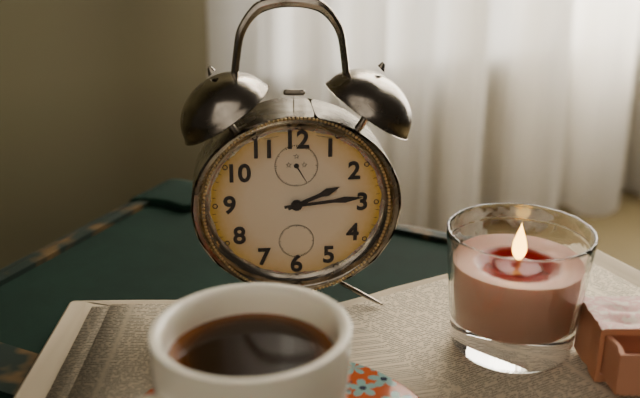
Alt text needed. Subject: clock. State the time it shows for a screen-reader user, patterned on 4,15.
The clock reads 2,14
